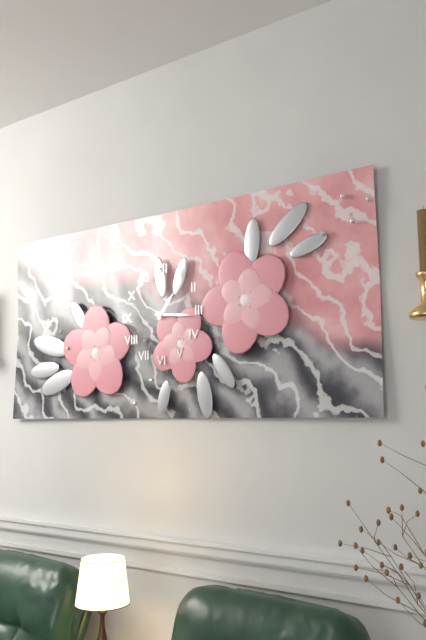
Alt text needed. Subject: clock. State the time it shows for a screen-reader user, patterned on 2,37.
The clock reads 1,16
